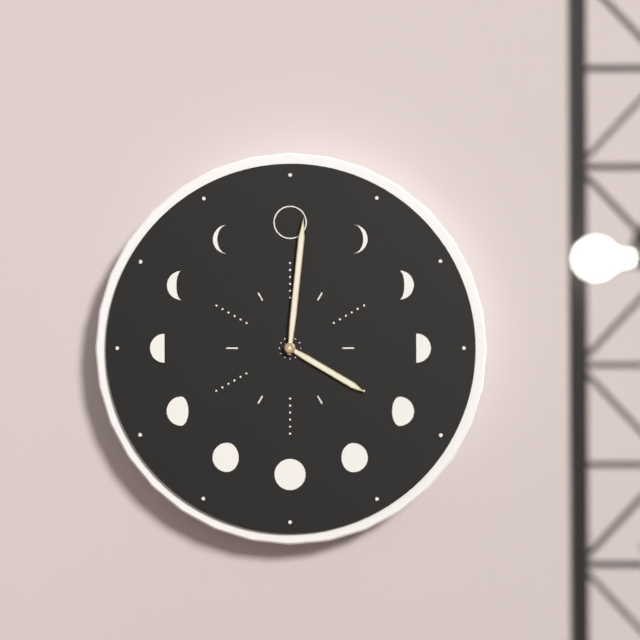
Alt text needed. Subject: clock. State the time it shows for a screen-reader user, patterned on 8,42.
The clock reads 4,01
